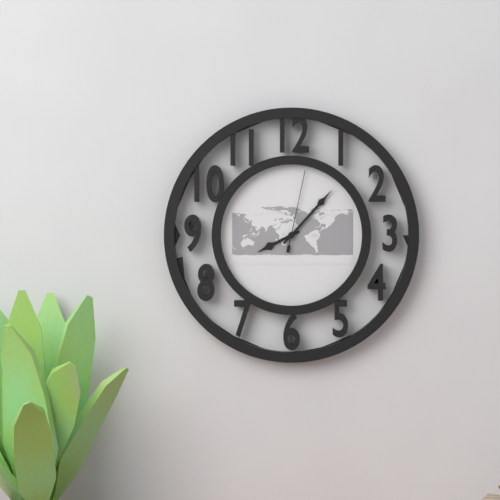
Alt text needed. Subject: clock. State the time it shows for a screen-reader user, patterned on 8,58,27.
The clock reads 8,07,02
